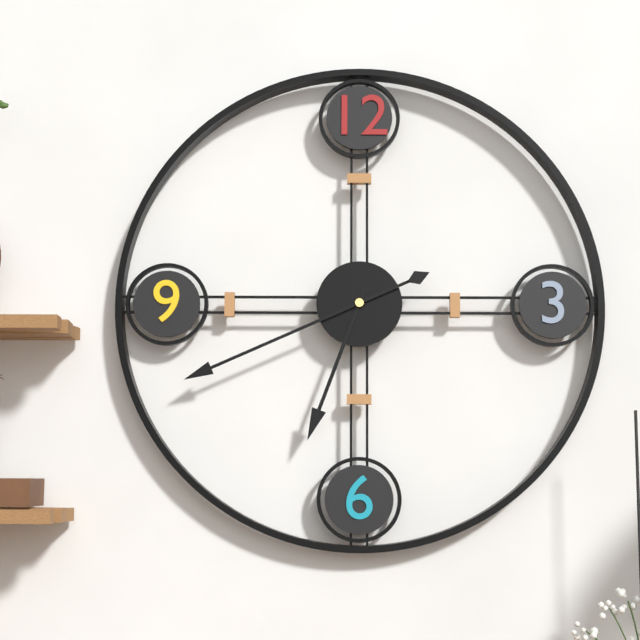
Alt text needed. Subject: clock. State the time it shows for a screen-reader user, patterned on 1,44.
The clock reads 6,41
